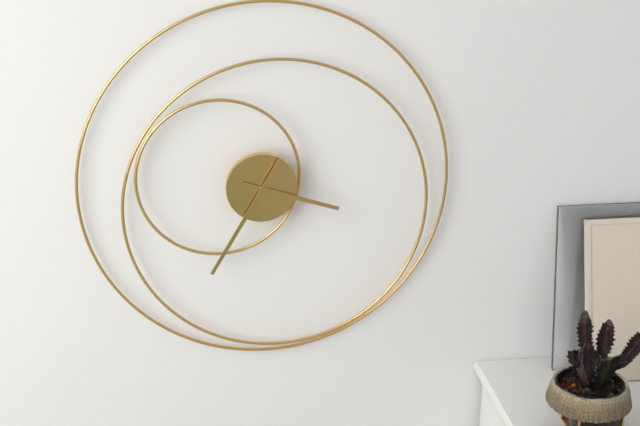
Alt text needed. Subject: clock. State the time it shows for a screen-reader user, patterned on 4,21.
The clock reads 3,35
